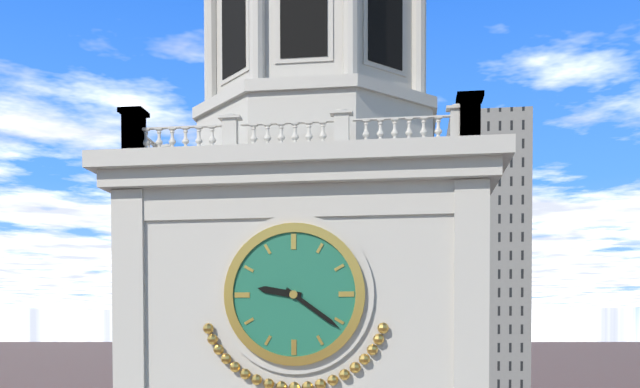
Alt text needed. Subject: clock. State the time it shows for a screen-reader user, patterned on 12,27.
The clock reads 9,21
